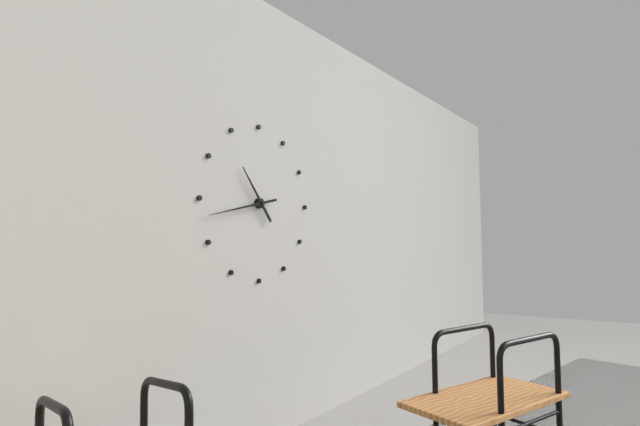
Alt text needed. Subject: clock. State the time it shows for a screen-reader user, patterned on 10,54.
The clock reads 10,43
